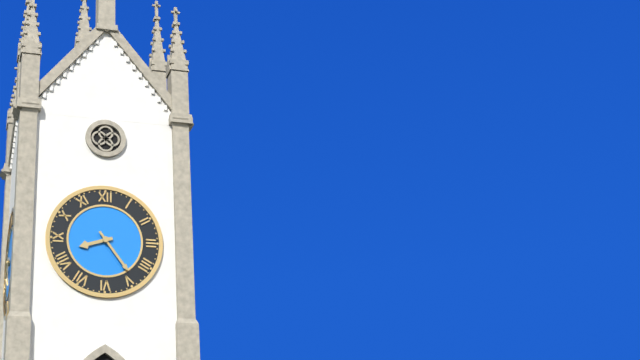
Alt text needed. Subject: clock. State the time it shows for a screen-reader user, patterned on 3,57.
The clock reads 8,24
